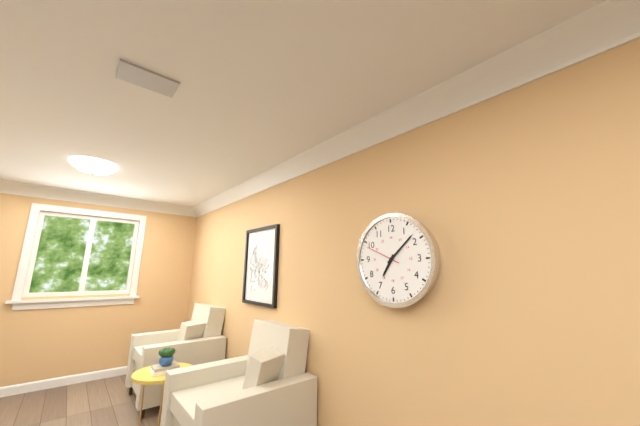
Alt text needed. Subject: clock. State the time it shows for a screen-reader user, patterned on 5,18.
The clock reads 7,08
